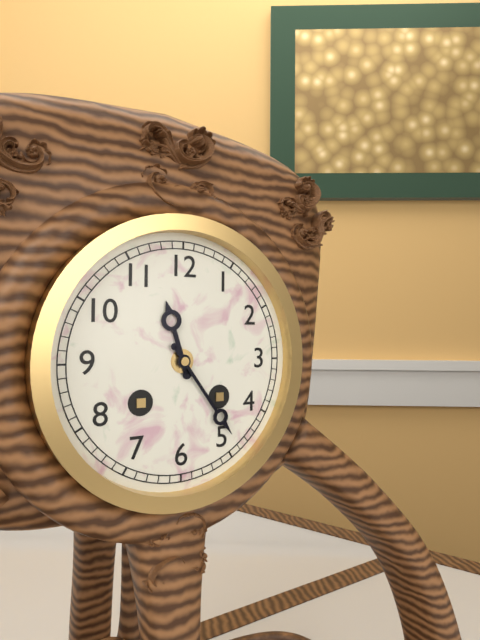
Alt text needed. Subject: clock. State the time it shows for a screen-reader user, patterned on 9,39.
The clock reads 11,24
